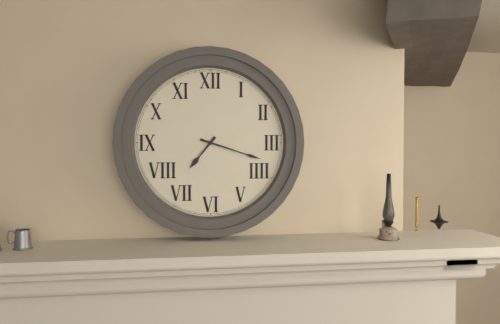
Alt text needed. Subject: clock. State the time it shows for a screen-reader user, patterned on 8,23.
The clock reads 7,18
